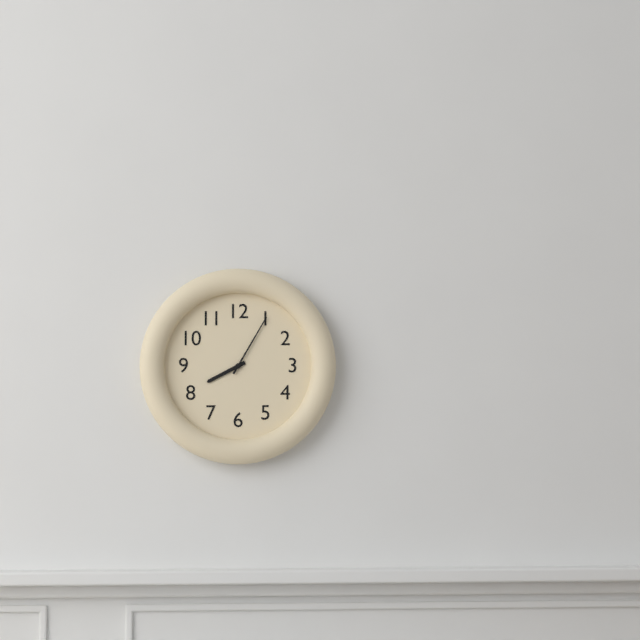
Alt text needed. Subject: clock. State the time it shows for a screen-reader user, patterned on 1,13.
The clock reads 8,05
